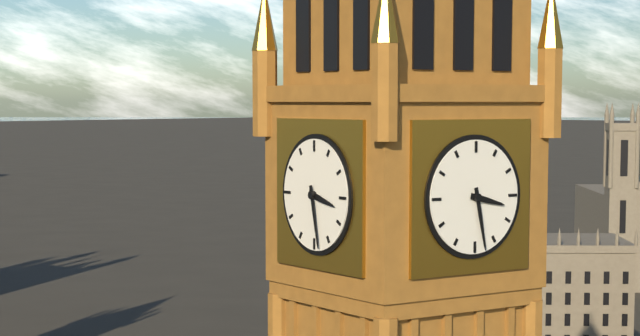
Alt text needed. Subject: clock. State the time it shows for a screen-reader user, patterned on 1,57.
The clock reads 3,28
